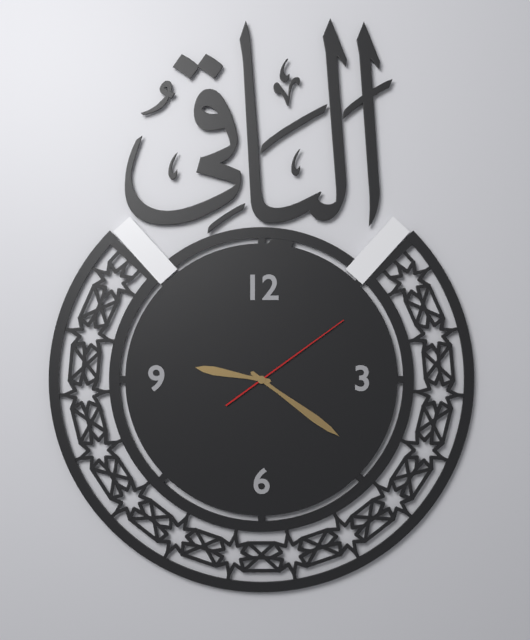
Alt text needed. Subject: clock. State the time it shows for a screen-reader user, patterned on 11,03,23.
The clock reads 9,21,09
